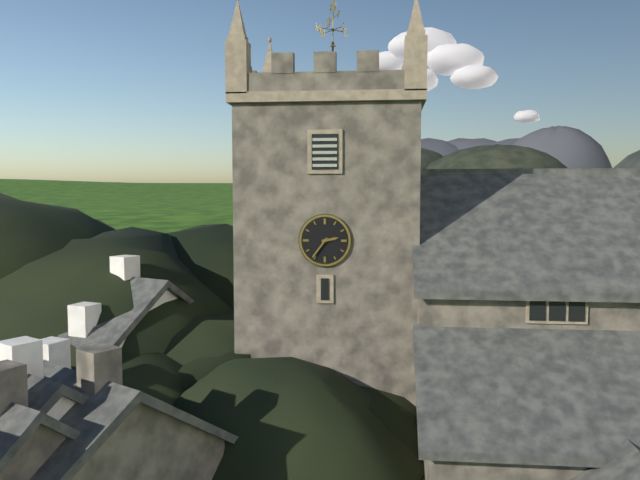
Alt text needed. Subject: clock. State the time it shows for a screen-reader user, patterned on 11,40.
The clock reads 2,36
